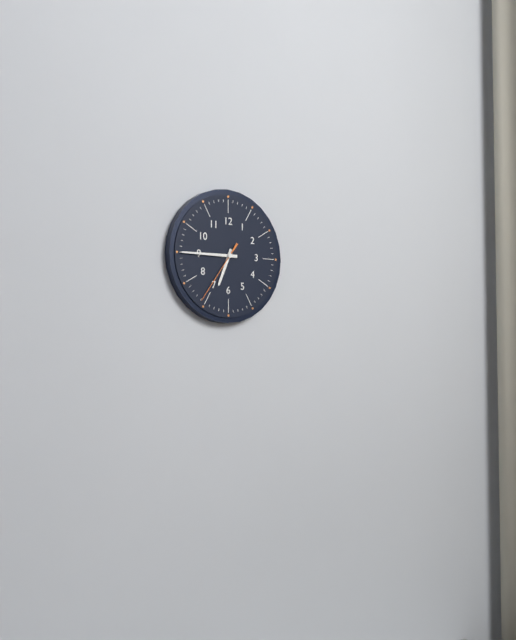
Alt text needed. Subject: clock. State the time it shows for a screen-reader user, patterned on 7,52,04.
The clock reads 6,45,36
